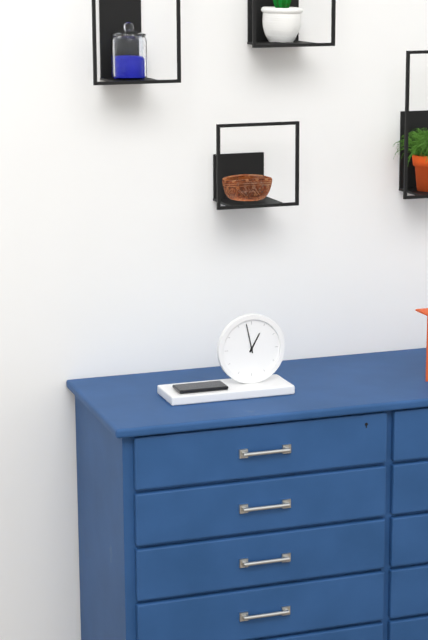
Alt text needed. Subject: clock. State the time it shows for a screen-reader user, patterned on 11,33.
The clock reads 12,58
